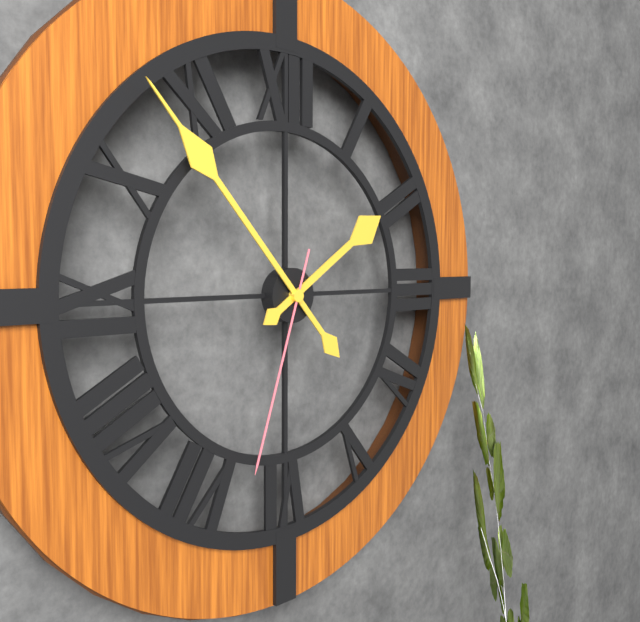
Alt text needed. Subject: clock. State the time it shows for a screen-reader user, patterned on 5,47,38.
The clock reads 1,53,33
